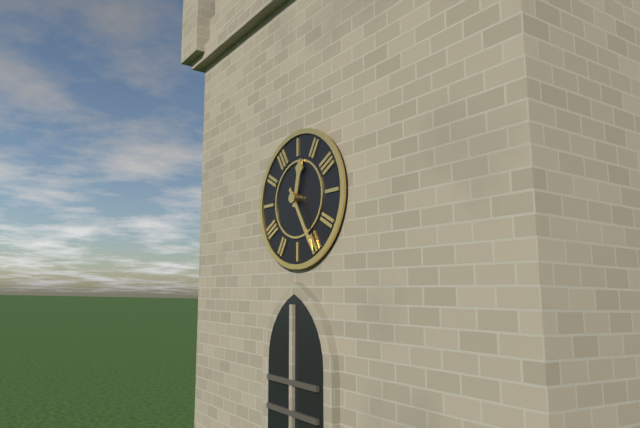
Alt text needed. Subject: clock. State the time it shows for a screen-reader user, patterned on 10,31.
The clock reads 12,25
